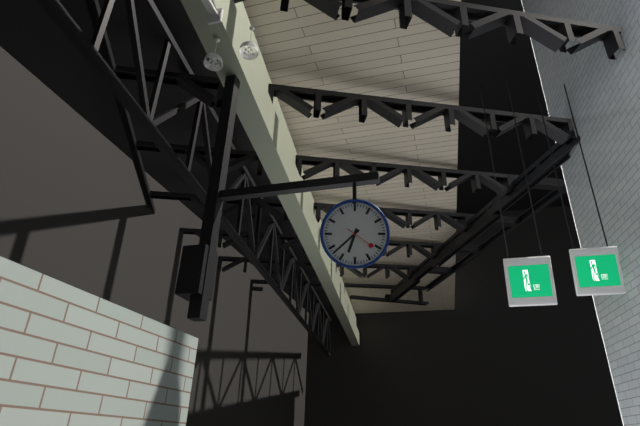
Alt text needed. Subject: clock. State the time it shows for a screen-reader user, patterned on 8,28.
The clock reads 6,38
